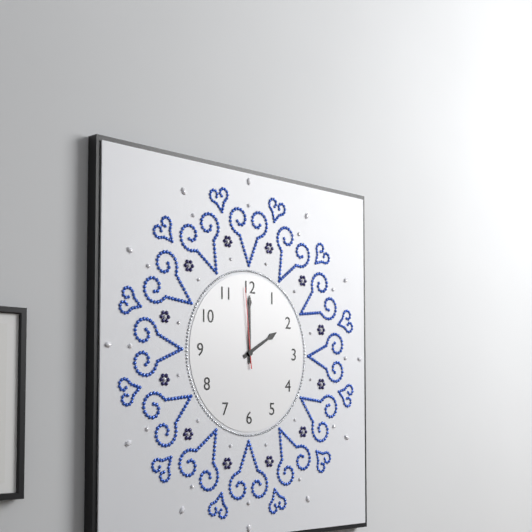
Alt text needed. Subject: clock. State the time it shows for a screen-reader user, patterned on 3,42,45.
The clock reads 2,00,59
